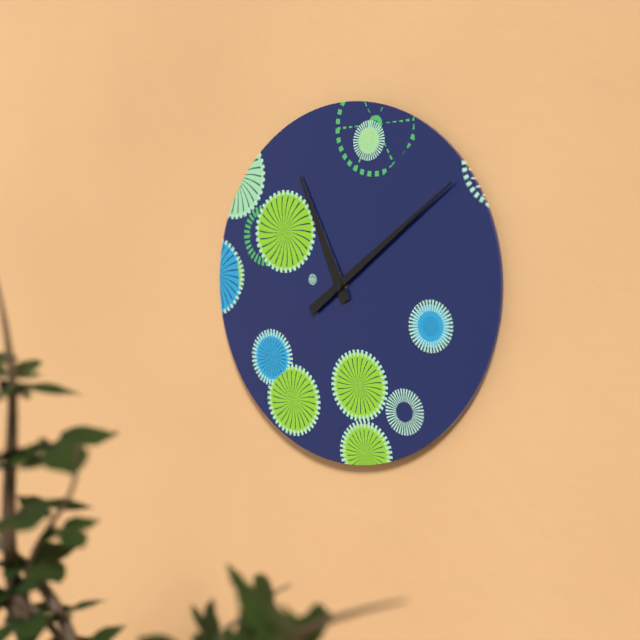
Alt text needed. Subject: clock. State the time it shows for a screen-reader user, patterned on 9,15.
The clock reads 11,09
